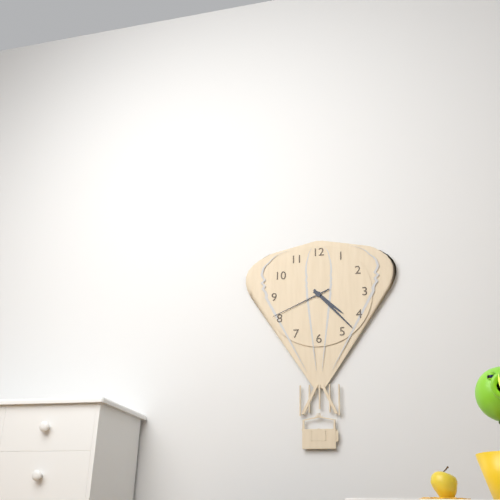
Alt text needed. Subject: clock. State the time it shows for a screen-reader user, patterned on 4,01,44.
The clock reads 4,23,41
